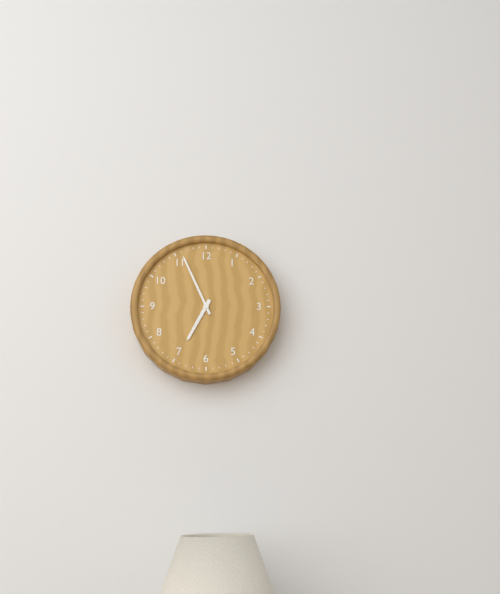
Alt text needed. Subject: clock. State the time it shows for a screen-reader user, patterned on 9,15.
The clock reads 6,56
